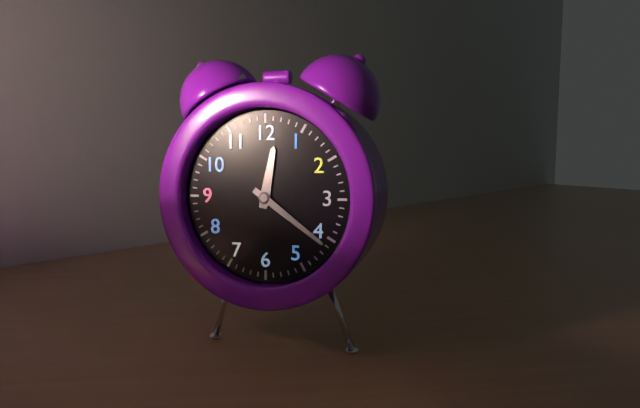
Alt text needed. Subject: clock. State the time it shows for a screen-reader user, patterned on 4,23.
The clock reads 12,21
